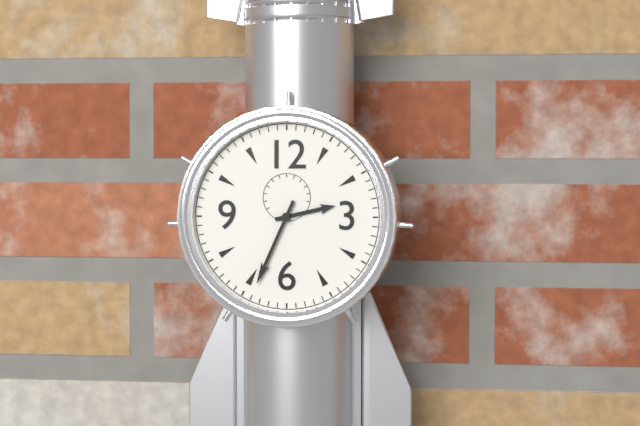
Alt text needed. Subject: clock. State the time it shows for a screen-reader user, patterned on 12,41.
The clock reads 2,34
